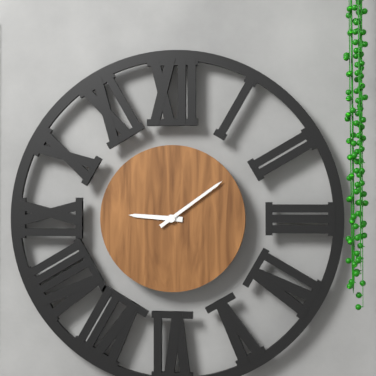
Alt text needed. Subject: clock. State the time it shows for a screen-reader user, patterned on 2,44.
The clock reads 9,09
